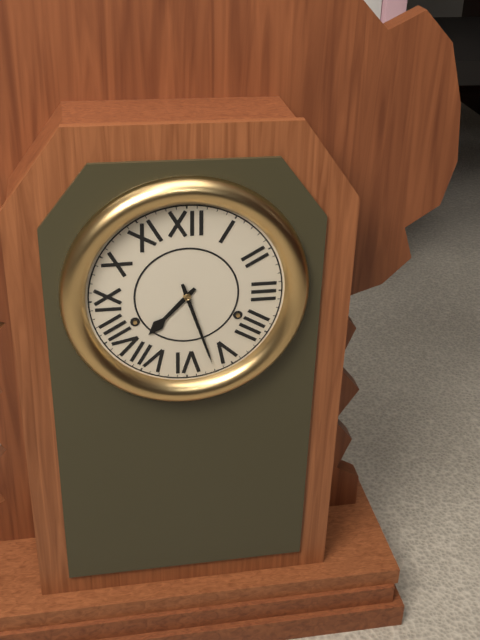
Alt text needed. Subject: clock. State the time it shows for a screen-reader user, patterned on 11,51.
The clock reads 7,27
